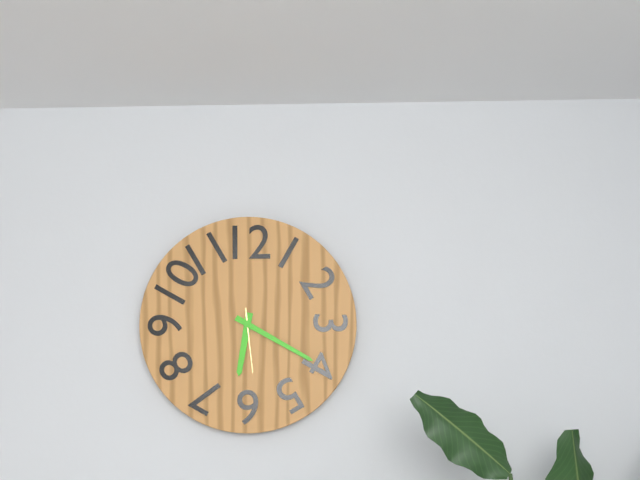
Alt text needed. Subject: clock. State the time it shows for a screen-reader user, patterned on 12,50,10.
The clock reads 6,20,29
